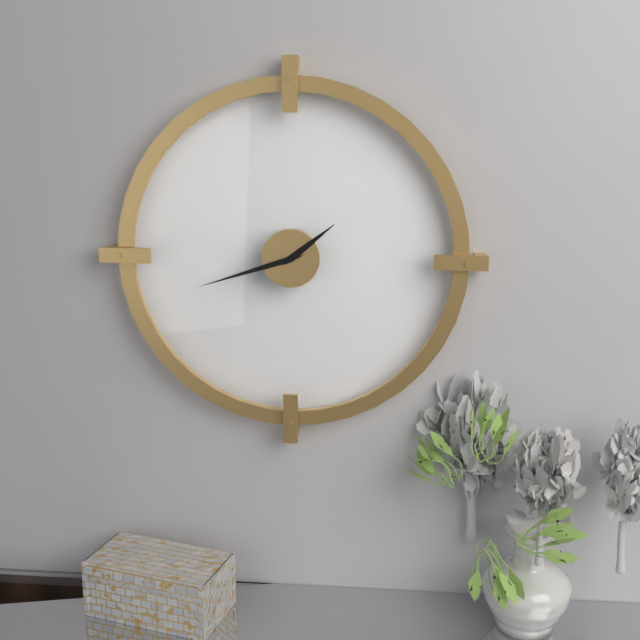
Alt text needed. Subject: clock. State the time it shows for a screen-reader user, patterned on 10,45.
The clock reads 1,42
